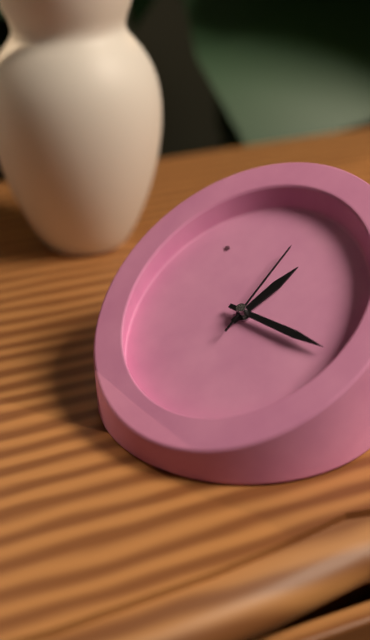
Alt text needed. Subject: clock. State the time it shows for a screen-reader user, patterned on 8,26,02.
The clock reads 3,30,15
